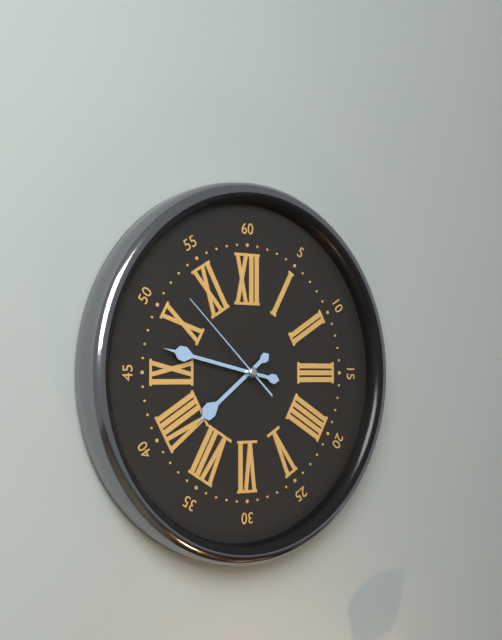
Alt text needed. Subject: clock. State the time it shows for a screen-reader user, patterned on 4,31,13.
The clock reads 7,47,52
